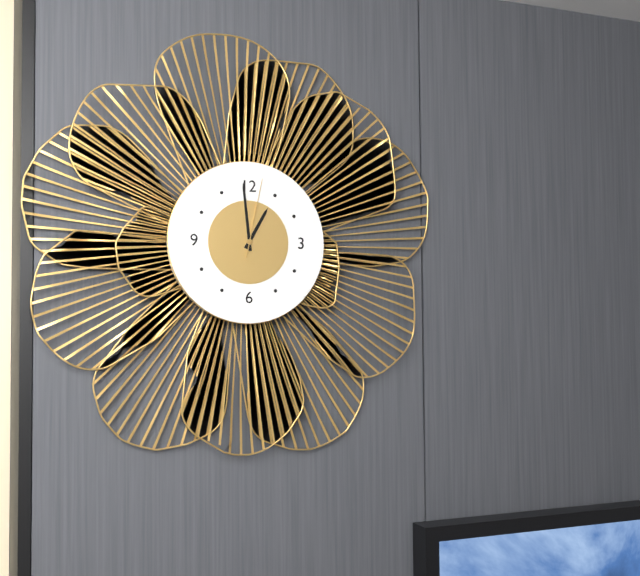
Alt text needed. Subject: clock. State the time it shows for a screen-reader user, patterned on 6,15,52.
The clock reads 12,59,02
